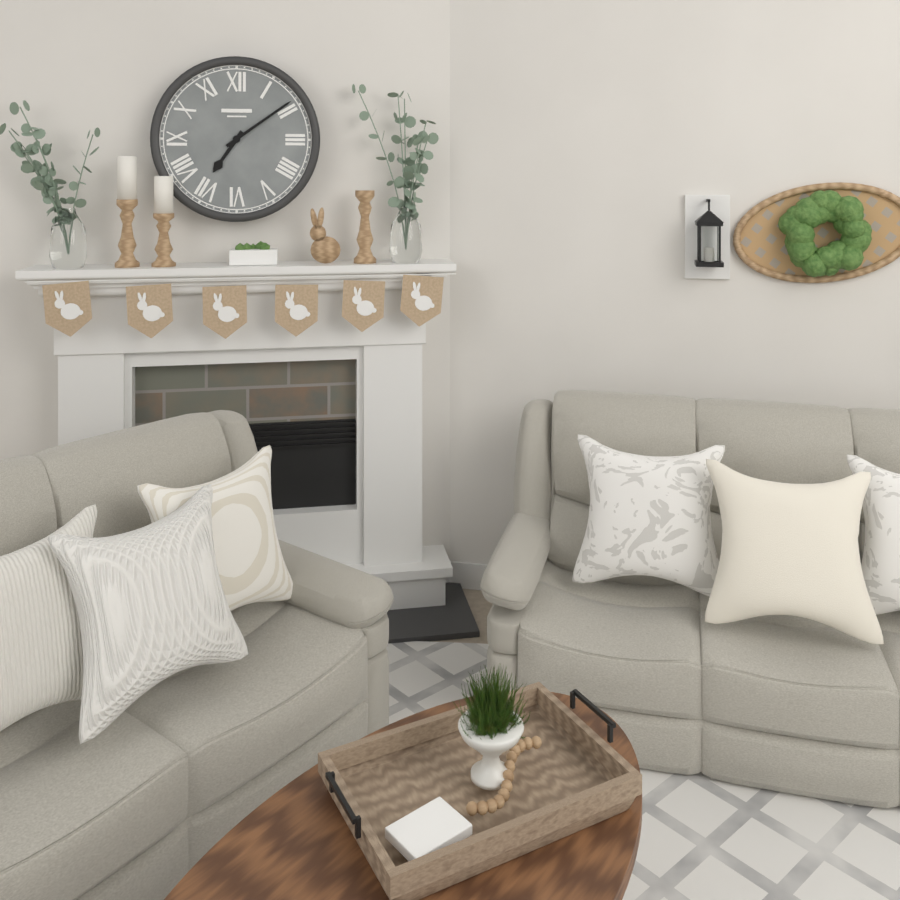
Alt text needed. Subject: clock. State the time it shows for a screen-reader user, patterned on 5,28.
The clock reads 7,09
